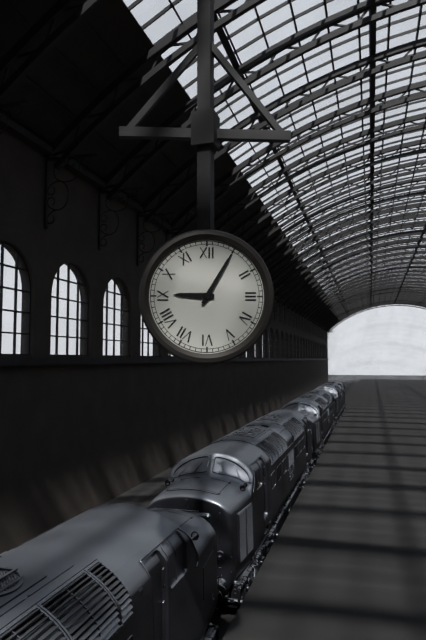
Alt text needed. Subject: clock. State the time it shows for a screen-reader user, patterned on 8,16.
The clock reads 9,05
